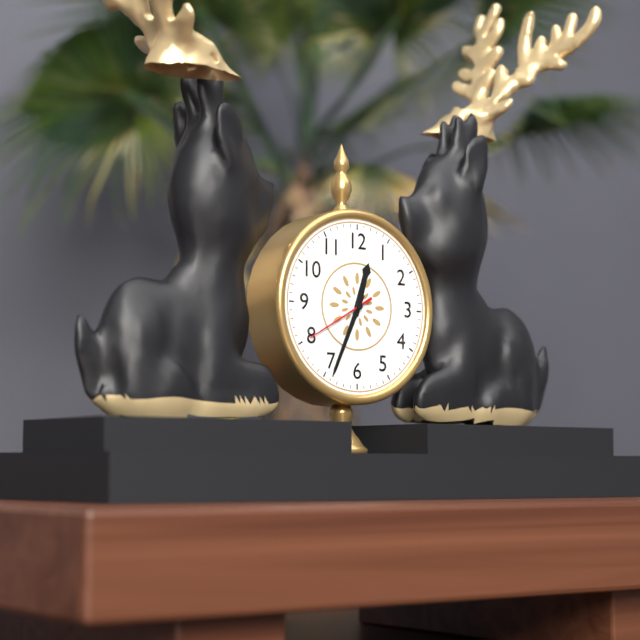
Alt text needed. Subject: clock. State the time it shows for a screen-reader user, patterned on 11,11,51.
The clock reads 12,34,40
